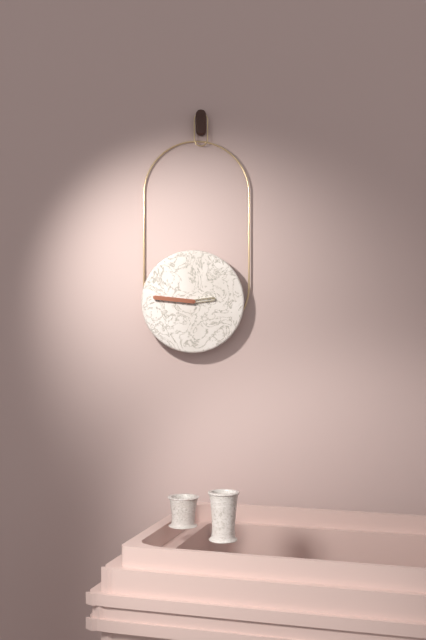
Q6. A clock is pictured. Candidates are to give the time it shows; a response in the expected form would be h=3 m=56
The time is h=2 m=46
